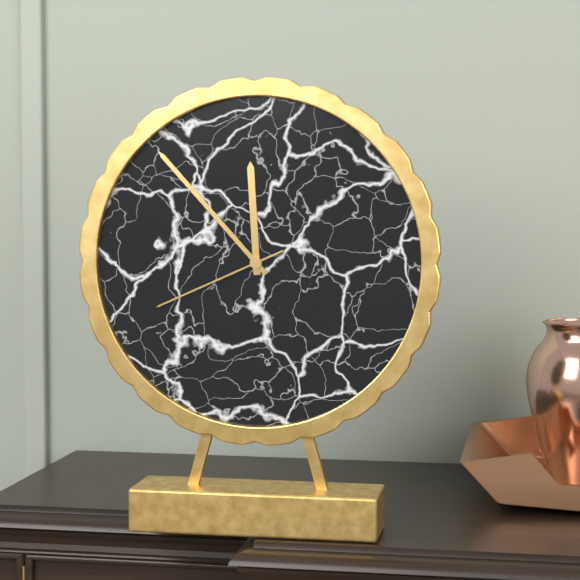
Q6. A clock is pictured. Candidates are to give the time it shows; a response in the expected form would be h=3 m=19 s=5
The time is h=11 m=53 s=41
